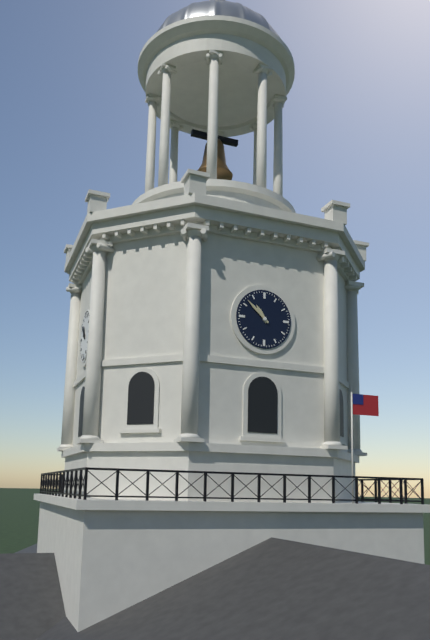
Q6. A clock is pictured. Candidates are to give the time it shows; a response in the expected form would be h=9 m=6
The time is h=10 m=52
